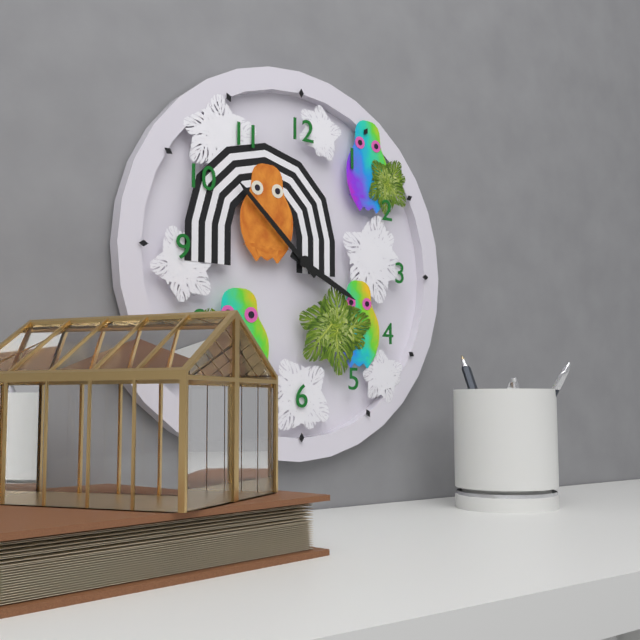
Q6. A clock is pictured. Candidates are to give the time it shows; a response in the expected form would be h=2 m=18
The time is h=3 m=52
